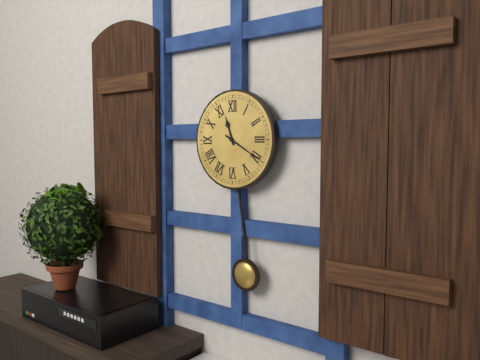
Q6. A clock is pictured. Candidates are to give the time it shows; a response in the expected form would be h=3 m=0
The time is h=11 m=20
